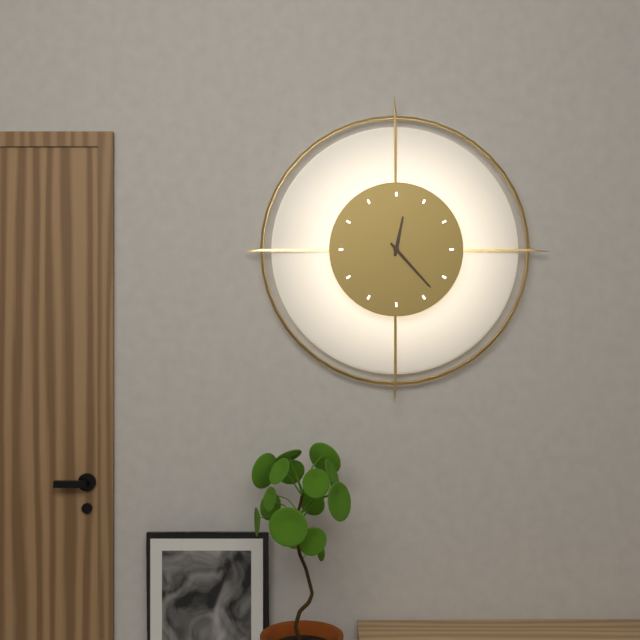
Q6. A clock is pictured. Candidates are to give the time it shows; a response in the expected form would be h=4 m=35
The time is h=12 m=23
